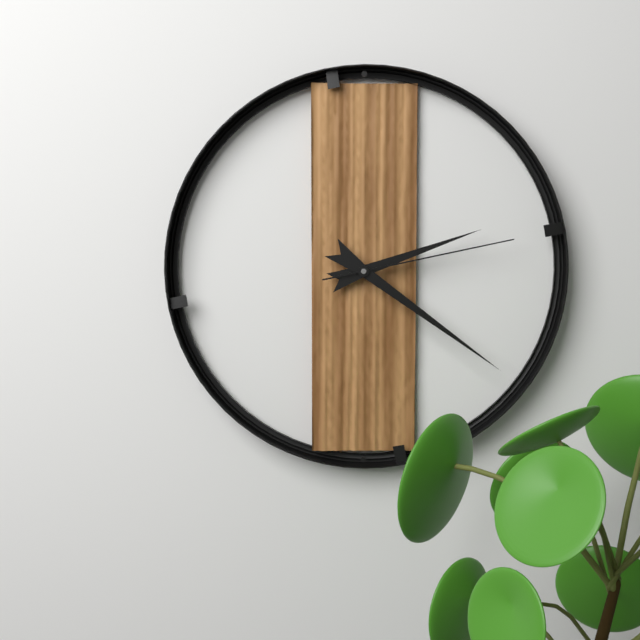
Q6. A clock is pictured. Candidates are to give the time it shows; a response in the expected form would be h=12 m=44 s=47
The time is h=2 m=21 s=13
